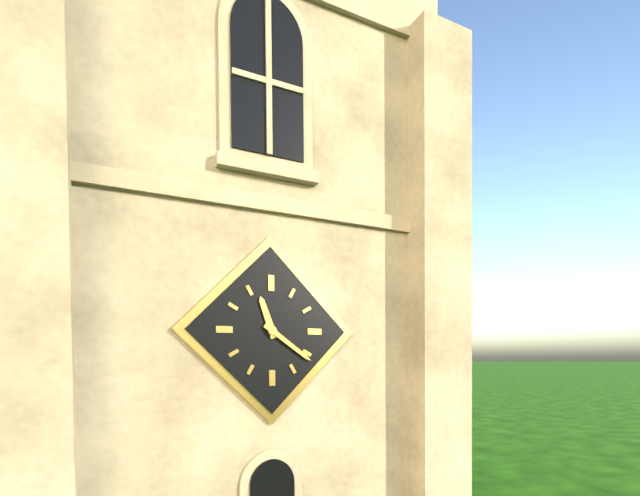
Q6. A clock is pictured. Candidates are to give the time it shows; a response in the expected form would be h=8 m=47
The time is h=11 m=21
